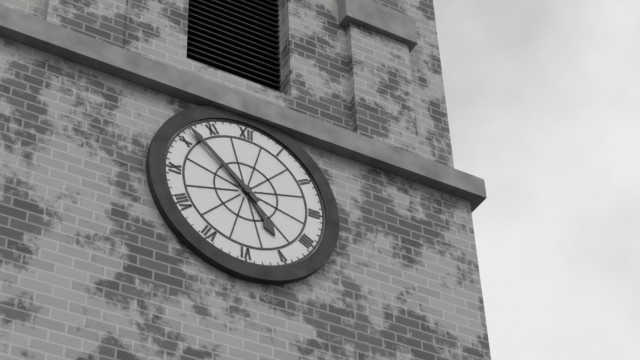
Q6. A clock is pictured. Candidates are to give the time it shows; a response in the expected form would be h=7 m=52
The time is h=4 m=52
